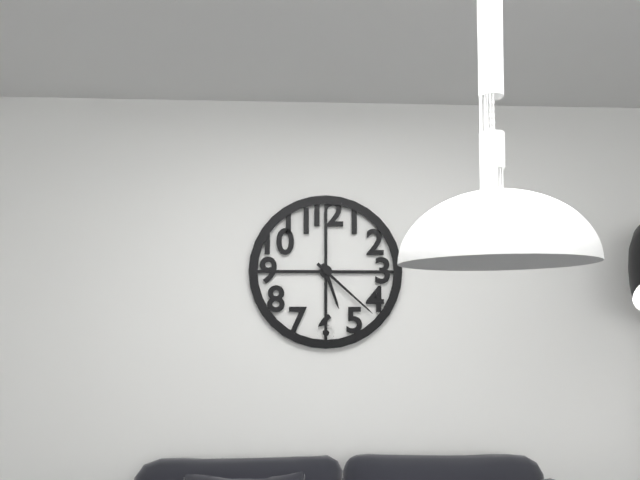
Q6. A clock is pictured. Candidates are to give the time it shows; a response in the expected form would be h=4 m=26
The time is h=5 m=22
